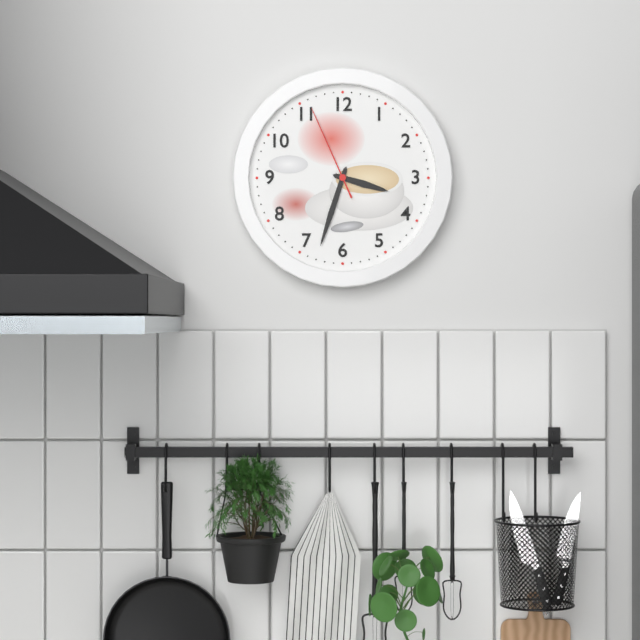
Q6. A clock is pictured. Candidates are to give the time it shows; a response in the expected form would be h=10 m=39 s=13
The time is h=3 m=33 s=56
